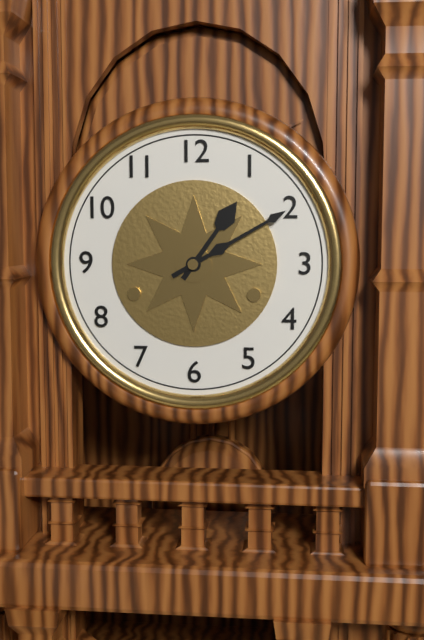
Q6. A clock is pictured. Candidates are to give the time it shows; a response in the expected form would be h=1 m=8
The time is h=1 m=10
